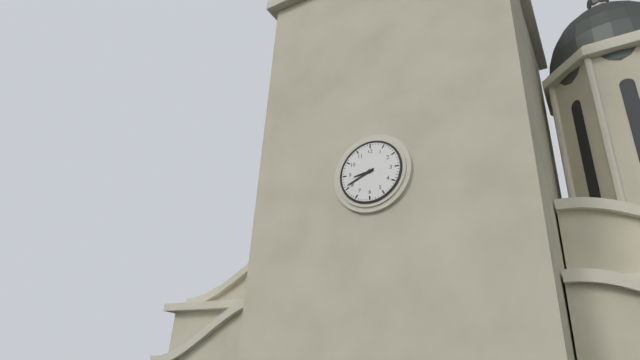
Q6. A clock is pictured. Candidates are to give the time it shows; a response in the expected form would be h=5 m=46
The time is h=8 m=41
